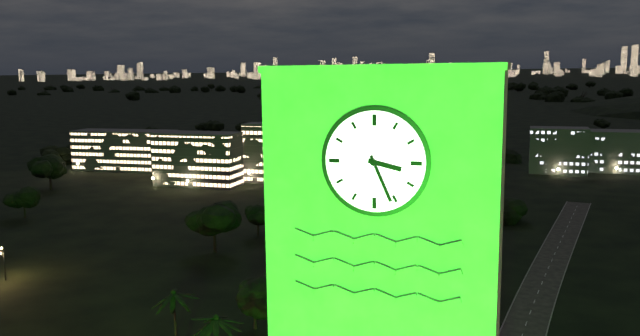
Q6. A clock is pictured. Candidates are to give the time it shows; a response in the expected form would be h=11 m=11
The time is h=3 m=26
